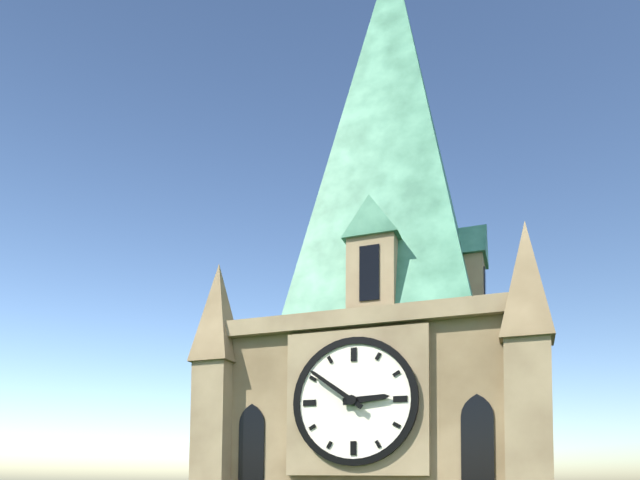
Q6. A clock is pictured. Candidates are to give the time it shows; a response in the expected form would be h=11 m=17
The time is h=2 m=51
